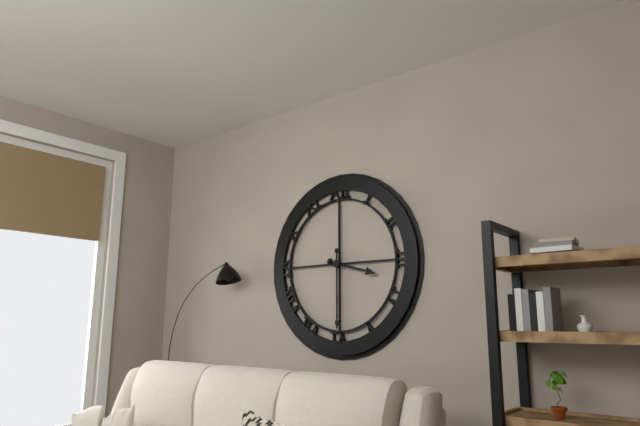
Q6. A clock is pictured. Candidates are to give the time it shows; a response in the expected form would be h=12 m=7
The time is h=3 m=30
